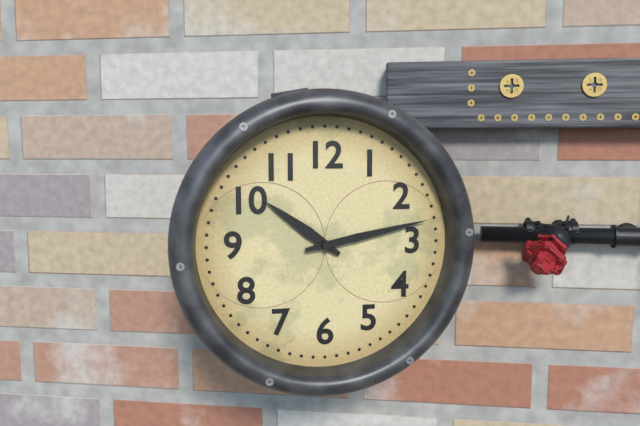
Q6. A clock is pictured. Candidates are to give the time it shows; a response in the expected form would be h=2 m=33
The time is h=10 m=13
